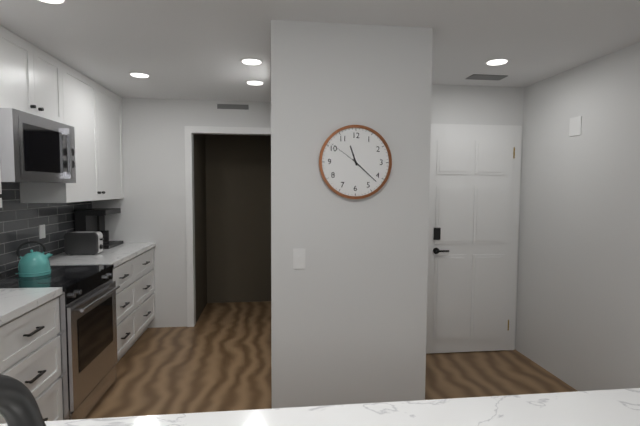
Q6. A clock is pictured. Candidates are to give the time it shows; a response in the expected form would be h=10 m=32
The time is h=11 m=22
